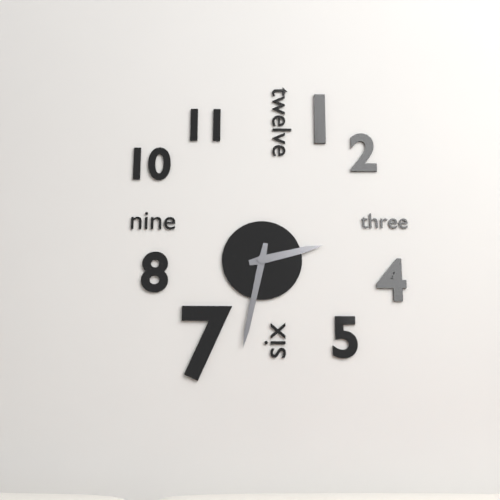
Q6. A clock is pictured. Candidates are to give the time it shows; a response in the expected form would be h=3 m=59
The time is h=2 m=32
